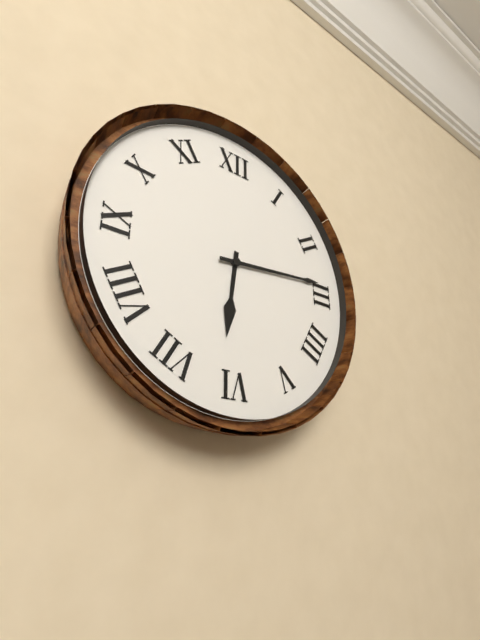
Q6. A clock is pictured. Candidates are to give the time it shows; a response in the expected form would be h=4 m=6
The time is h=6 m=14
